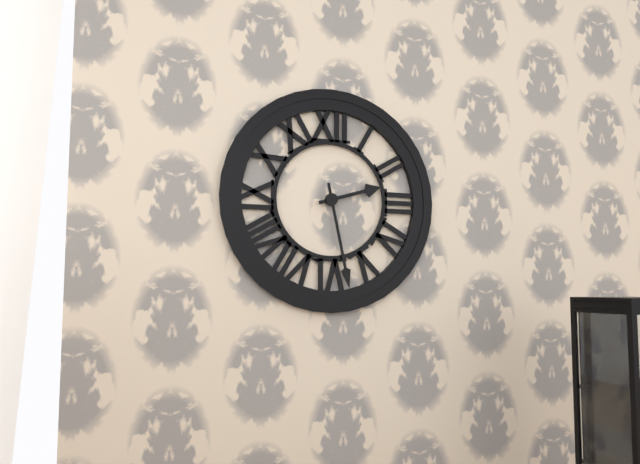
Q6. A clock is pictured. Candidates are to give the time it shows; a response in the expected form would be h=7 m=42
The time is h=2 m=28
